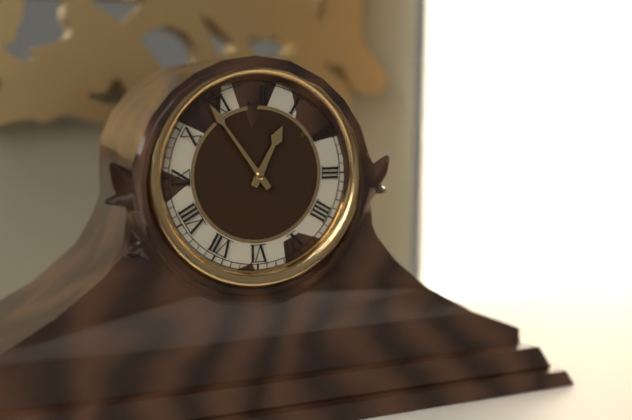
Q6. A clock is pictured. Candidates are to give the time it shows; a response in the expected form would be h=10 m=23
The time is h=12 m=54
